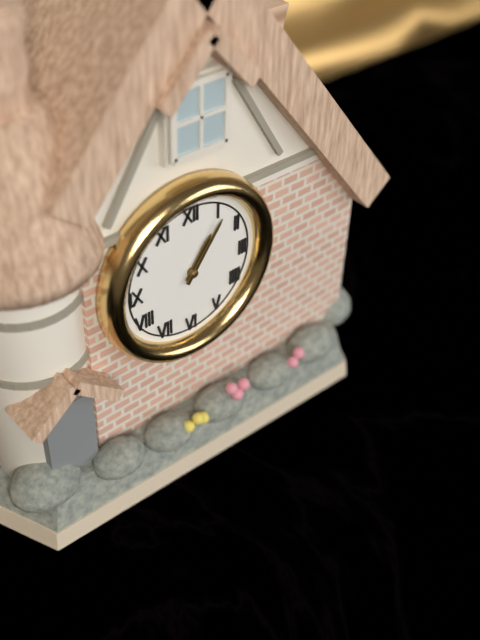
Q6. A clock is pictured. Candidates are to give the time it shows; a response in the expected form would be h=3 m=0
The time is h=1 m=6
